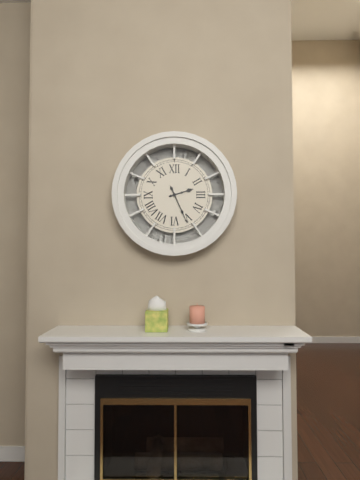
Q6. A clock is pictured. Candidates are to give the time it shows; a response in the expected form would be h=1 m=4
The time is h=2 m=26
